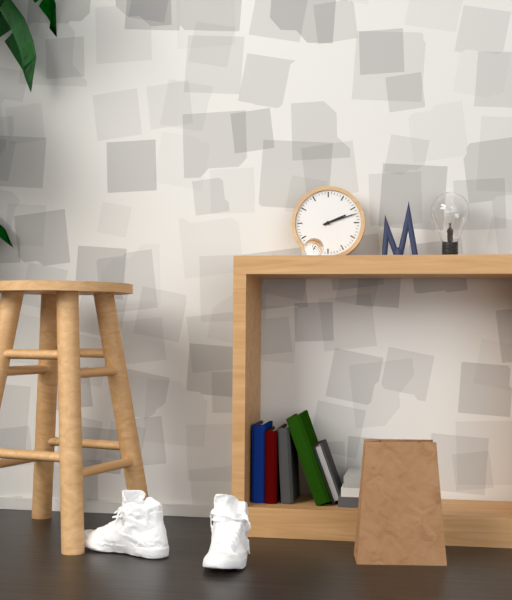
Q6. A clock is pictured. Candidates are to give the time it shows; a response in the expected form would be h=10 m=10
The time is h=2 m=12
